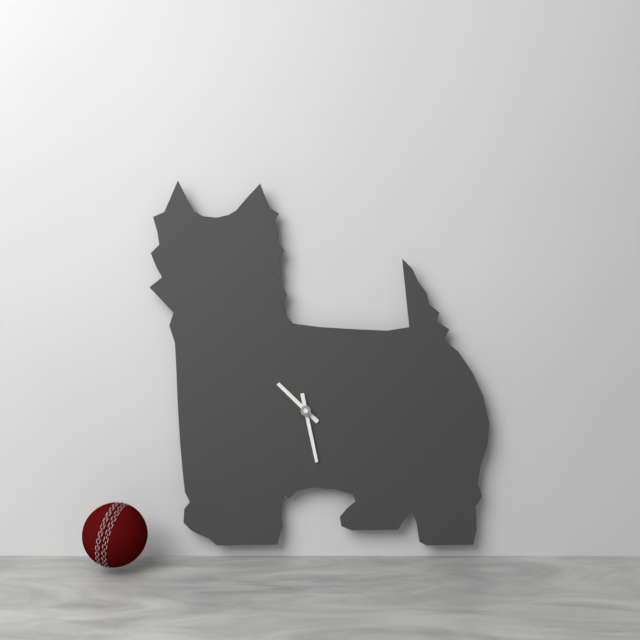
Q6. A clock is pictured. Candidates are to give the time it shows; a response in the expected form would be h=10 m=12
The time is h=10 m=28
